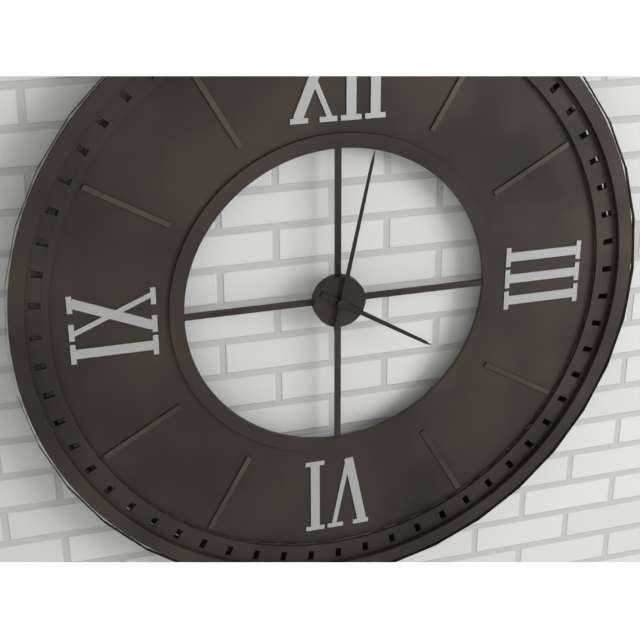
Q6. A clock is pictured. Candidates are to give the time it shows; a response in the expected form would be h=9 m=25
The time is h=4 m=2
